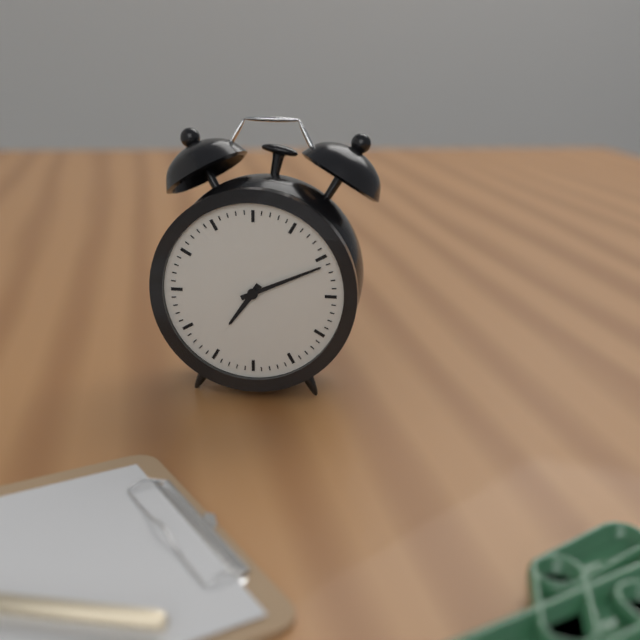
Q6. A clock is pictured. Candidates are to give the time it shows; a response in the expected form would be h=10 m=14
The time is h=7 m=11
